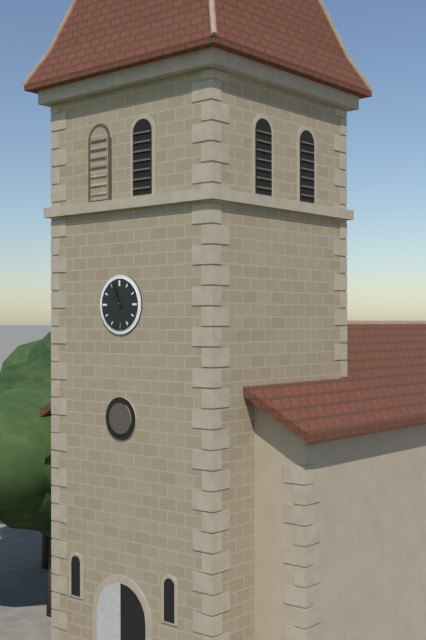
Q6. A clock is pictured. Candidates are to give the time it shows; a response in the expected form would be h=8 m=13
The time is h=10 m=56
